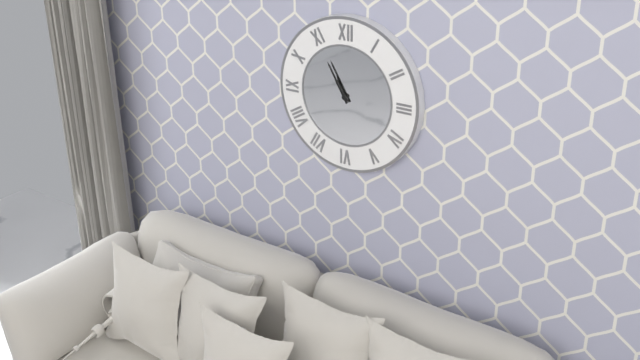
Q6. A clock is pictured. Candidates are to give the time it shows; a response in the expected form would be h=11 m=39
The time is h=10 m=55
